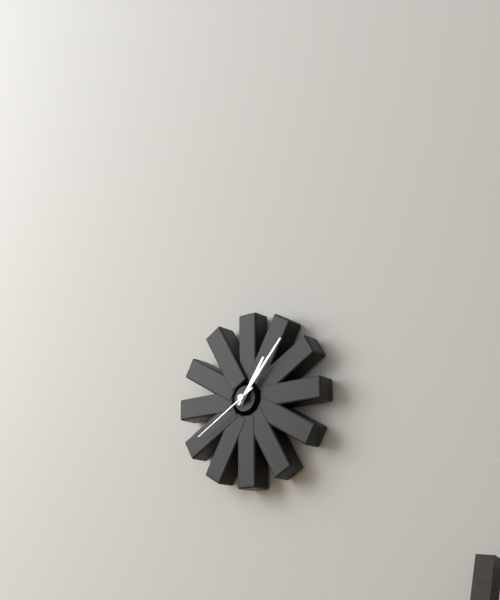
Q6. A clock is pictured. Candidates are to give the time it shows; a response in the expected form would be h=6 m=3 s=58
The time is h=1 m=7 s=40
